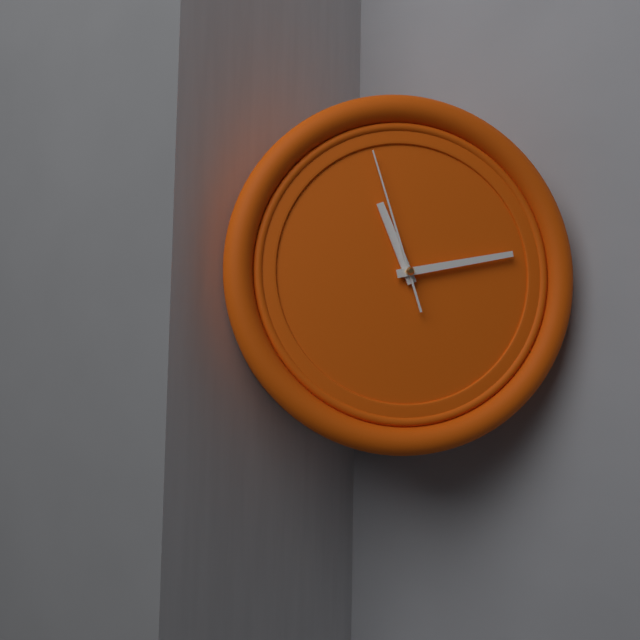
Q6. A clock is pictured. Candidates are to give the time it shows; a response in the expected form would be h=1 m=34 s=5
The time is h=11 m=13 s=57
